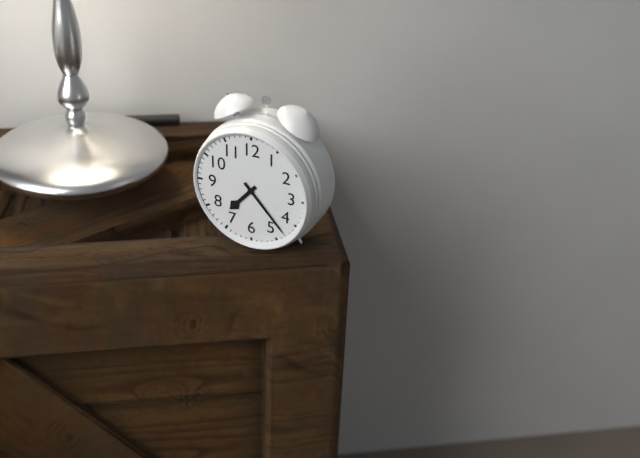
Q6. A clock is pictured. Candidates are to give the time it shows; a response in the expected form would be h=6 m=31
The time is h=7 m=23
